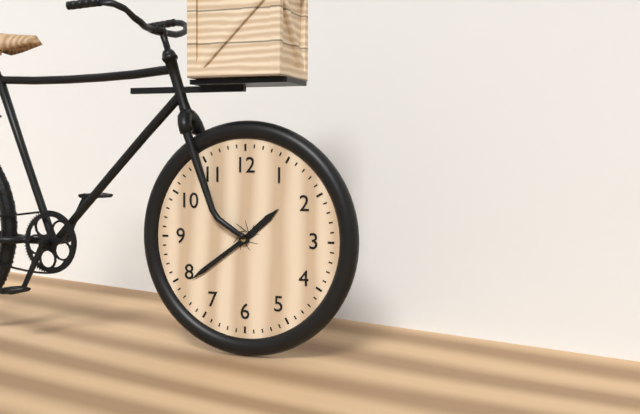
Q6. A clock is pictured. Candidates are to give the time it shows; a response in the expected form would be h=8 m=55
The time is h=1 m=39
